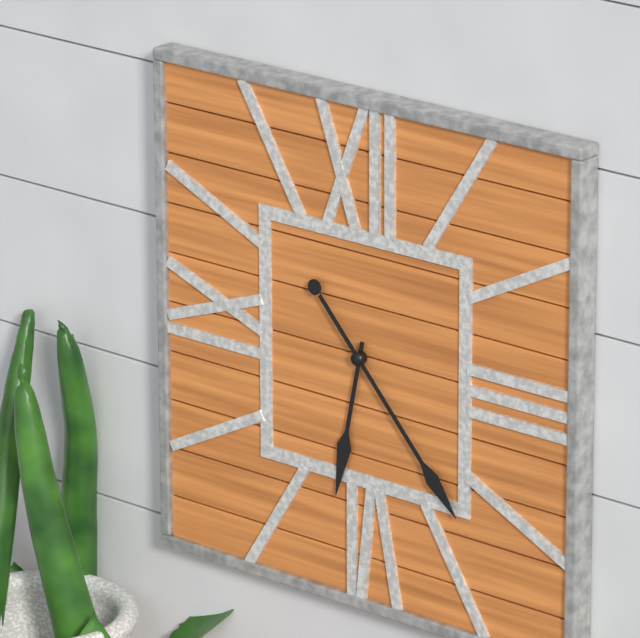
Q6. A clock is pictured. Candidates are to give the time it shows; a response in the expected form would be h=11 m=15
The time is h=6 m=23
